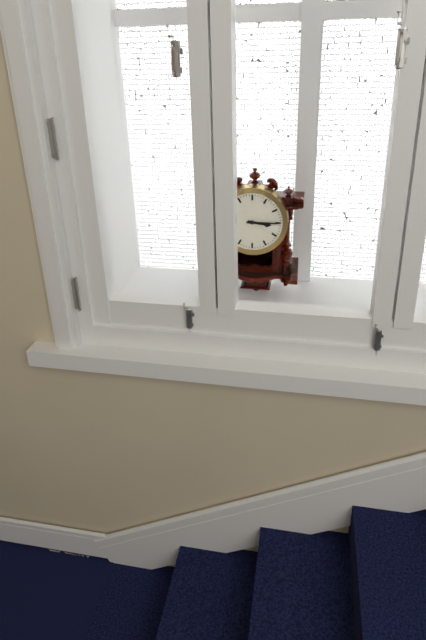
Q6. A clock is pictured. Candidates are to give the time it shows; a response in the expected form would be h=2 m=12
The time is h=3 m=15
